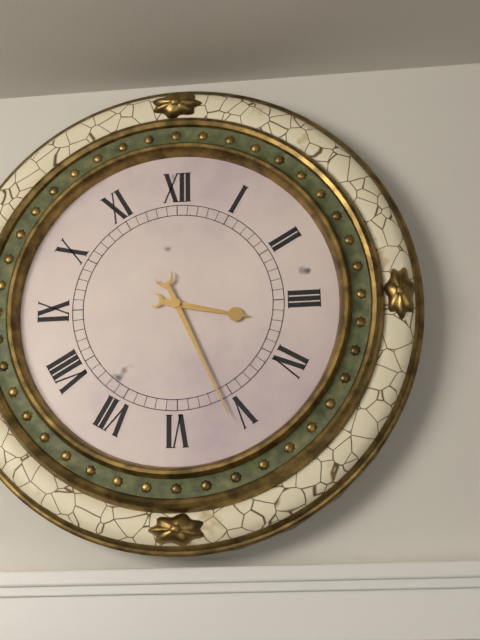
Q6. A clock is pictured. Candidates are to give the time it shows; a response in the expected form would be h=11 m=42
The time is h=3 m=26
